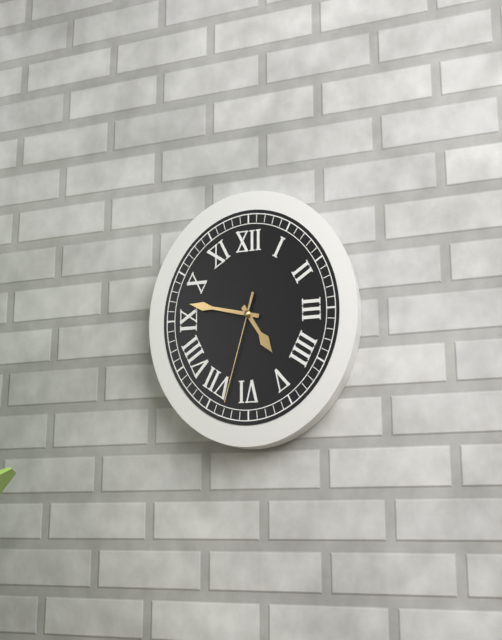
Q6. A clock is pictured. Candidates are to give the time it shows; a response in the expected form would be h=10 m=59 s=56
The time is h=4 m=47 s=33
